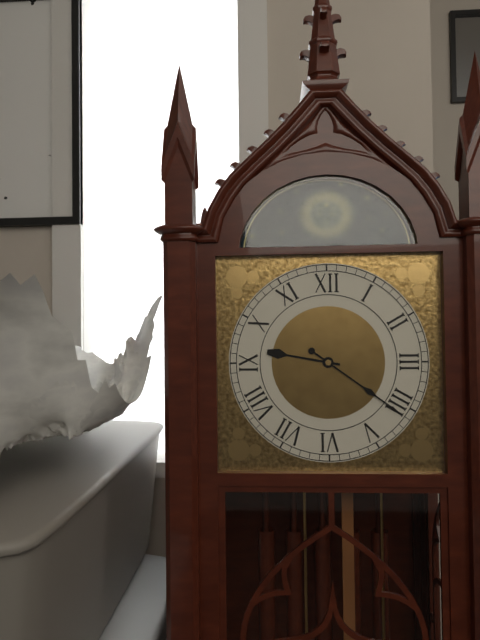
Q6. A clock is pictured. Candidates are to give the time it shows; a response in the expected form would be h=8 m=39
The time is h=9 m=21
